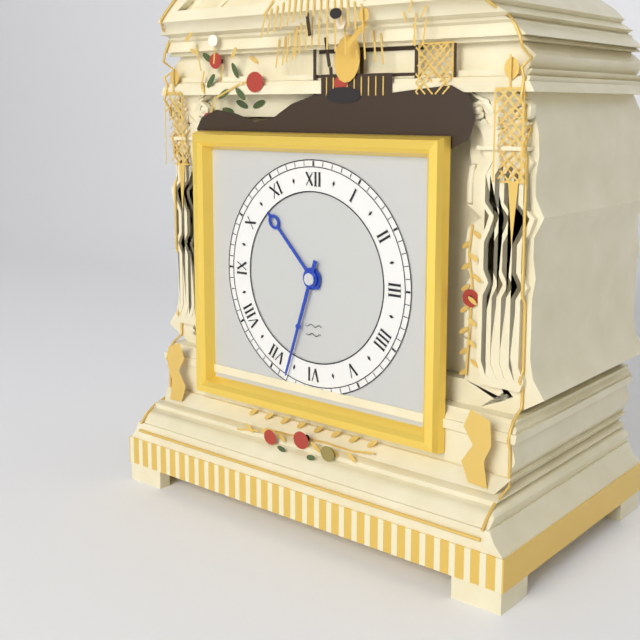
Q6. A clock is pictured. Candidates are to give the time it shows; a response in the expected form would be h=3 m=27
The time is h=10 m=33
